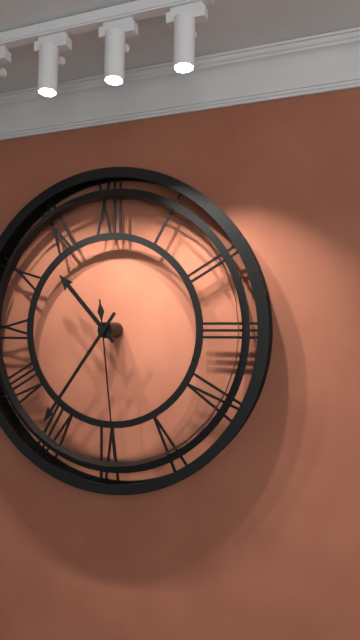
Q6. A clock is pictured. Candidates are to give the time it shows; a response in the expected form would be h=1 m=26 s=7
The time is h=10 m=36 s=29
